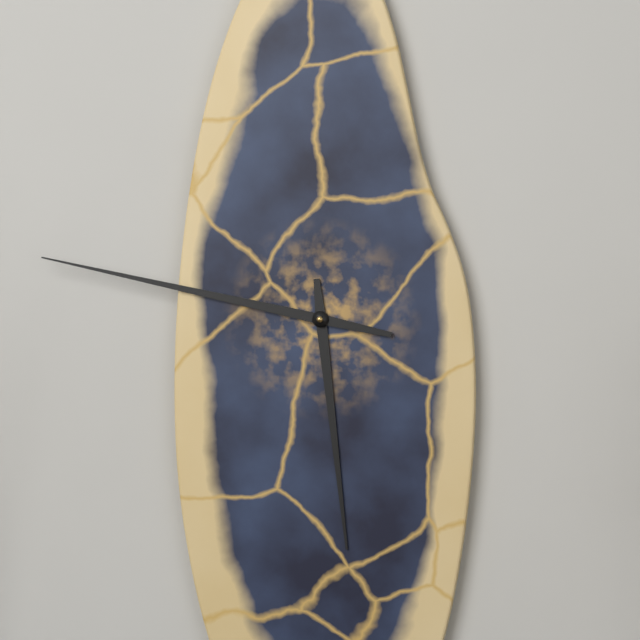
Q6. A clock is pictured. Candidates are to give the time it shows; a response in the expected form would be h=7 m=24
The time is h=5 m=47
